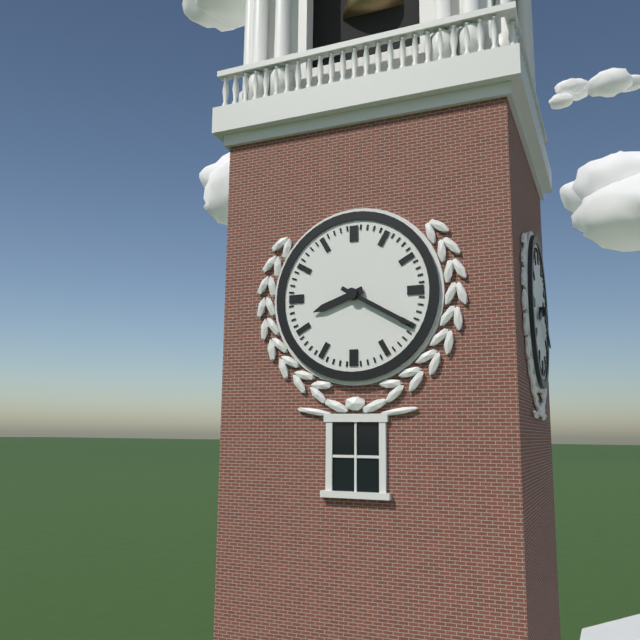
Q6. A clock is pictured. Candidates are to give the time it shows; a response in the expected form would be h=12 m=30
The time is h=8 m=20
